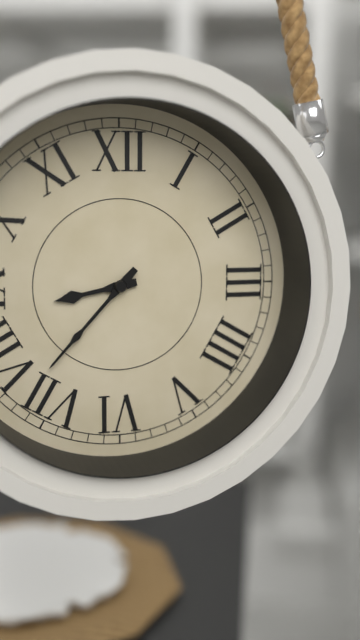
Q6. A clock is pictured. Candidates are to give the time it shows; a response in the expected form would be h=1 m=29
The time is h=8 m=37
